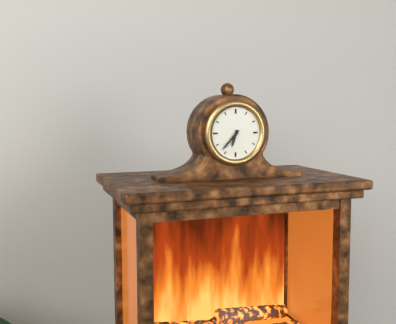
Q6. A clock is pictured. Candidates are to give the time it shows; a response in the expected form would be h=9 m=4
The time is h=6 m=37
